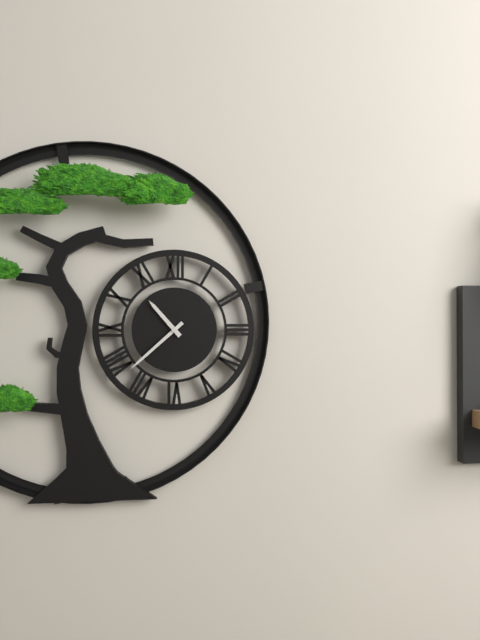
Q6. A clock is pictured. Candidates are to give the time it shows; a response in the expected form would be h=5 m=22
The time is h=10 m=38
